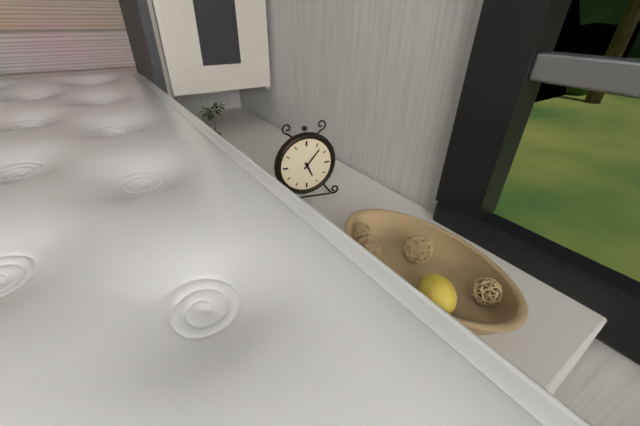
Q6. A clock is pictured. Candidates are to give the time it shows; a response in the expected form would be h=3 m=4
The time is h=5 m=7
